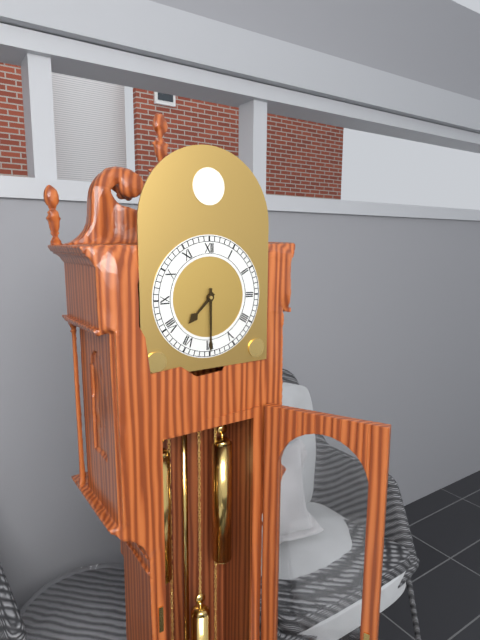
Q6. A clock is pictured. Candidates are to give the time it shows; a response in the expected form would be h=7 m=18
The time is h=7 m=30
